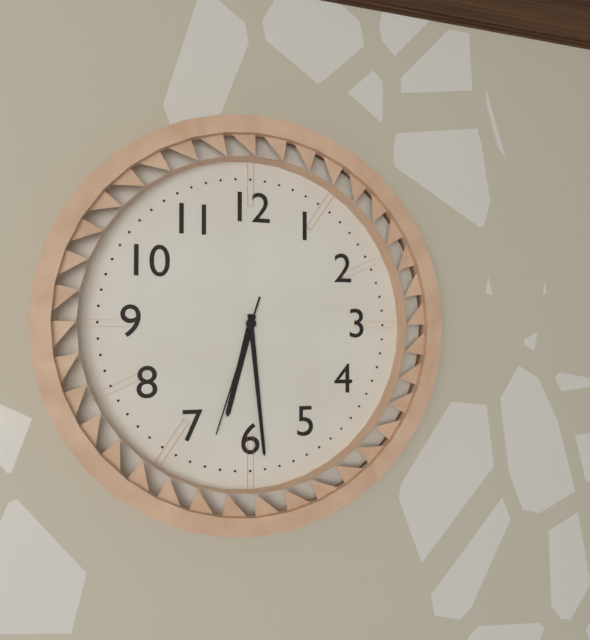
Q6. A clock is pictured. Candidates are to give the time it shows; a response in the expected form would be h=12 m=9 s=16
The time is h=6 m=29 s=33
